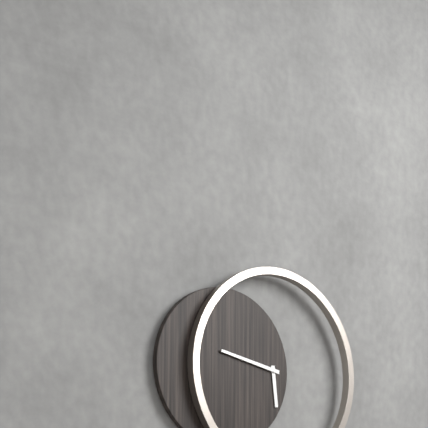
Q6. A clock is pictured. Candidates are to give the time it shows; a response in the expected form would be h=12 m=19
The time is h=5 m=47
